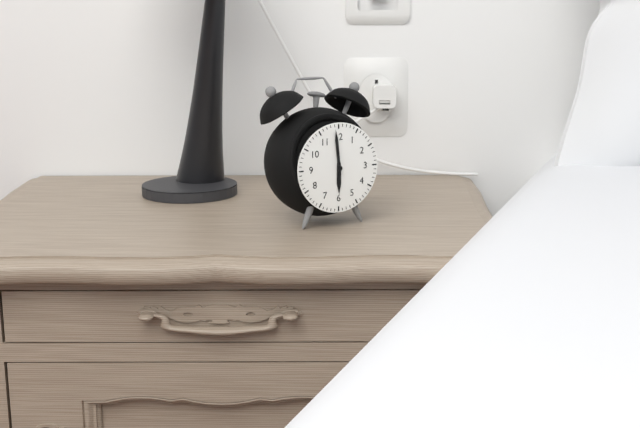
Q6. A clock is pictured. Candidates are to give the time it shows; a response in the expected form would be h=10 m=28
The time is h=5 m=59
